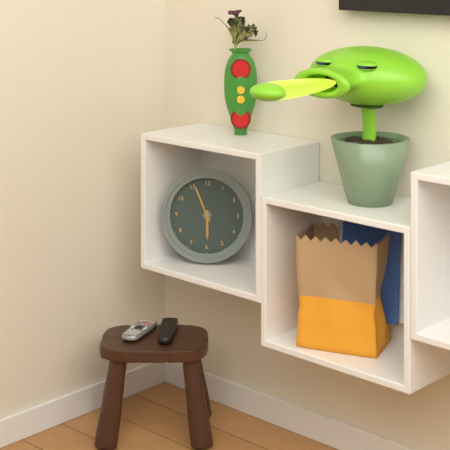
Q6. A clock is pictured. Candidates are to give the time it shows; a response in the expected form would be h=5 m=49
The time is h=5 m=56
